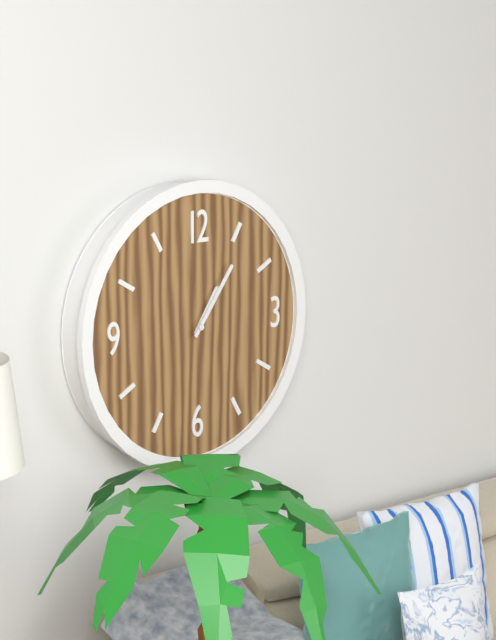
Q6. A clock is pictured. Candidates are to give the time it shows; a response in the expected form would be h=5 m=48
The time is h=1 m=6
